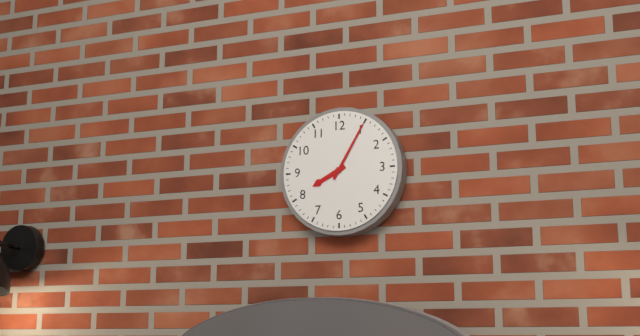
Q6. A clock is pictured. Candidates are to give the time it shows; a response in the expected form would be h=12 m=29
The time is h=8 m=5
